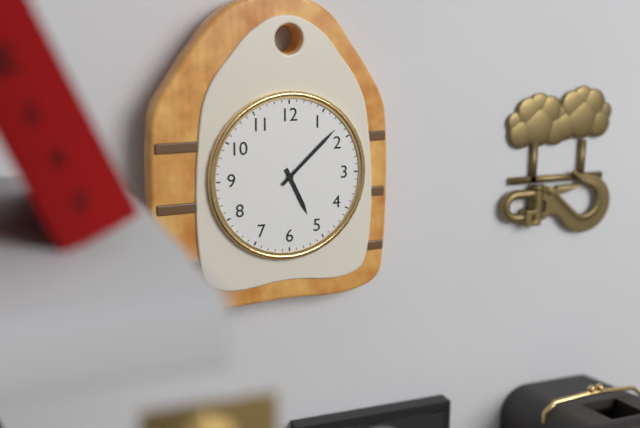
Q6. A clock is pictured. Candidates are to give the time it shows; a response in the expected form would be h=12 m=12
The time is h=5 m=8
